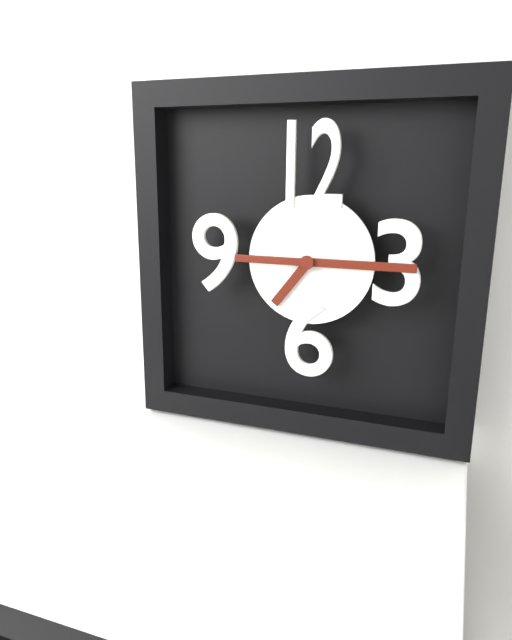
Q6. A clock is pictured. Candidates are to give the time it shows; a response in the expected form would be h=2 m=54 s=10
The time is h=7 m=15 s=45
